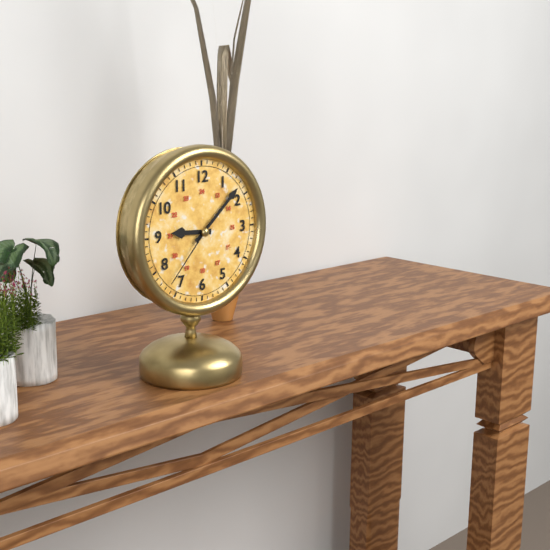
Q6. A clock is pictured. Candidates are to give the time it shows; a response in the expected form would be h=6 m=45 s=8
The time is h=9 m=8 s=37
